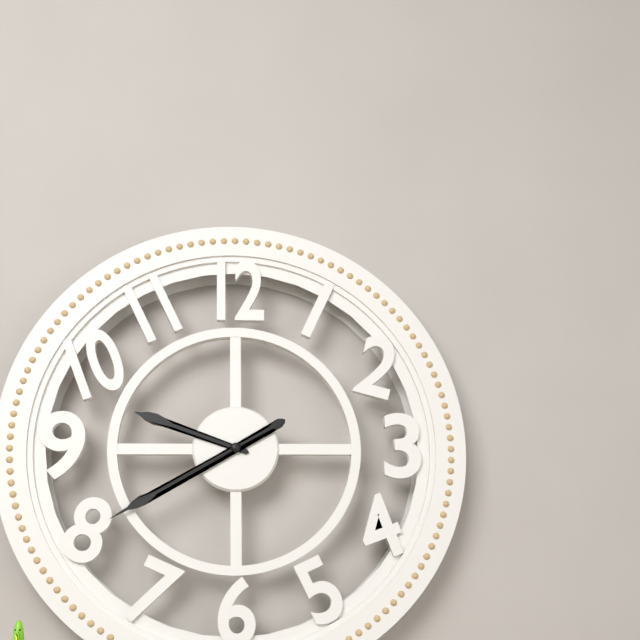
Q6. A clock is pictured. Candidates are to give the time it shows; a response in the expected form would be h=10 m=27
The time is h=9 m=40
